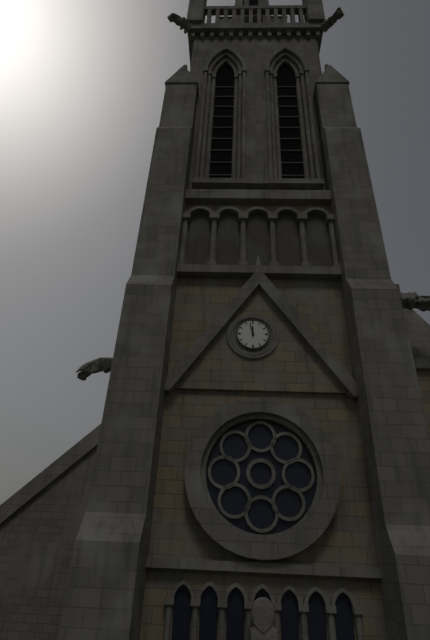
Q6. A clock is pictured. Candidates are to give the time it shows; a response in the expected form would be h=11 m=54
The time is h=11 m=58
